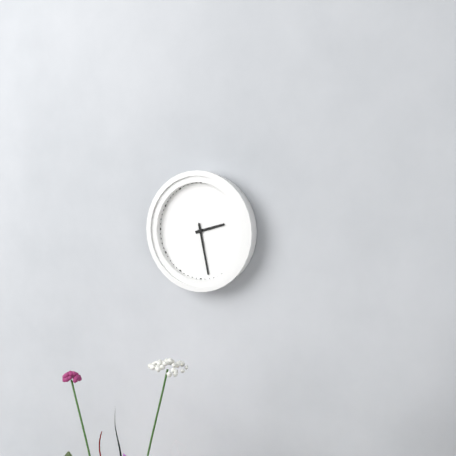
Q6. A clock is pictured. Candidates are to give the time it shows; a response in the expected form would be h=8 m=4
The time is h=2 m=28
